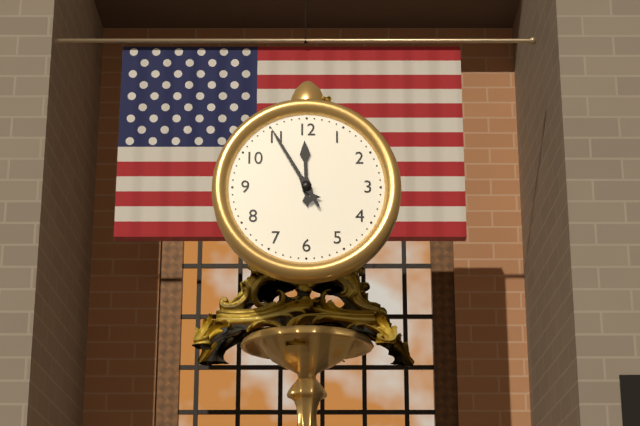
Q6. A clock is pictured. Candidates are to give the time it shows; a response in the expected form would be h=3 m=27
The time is h=11 m=55
